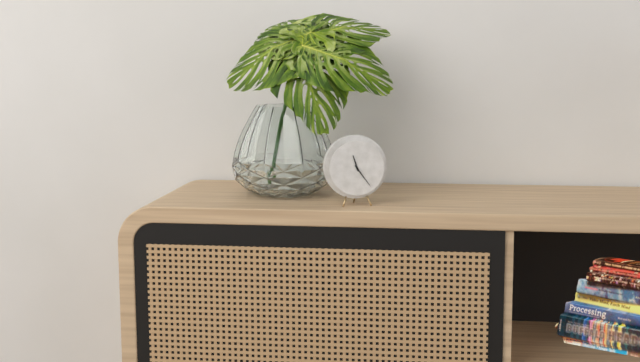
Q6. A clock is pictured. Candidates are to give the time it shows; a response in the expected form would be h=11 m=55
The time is h=11 m=24
